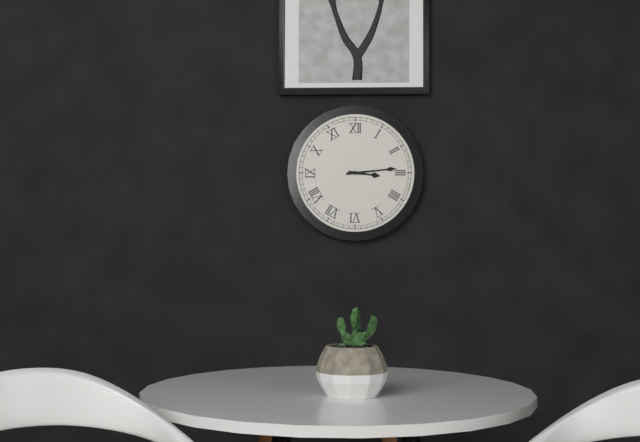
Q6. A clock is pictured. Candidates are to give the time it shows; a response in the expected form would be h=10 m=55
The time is h=3 m=14
